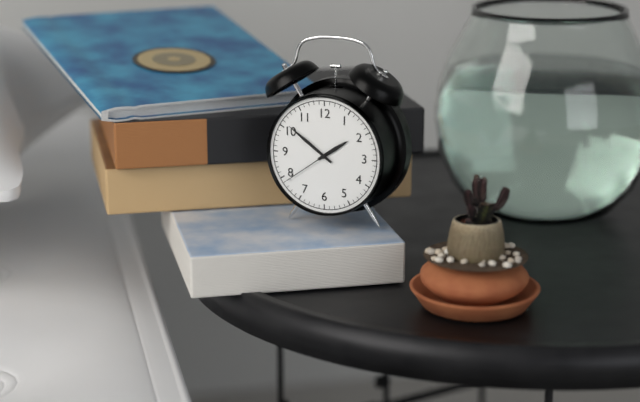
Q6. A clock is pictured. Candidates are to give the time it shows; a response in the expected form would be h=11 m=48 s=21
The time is h=1 m=51 s=39
